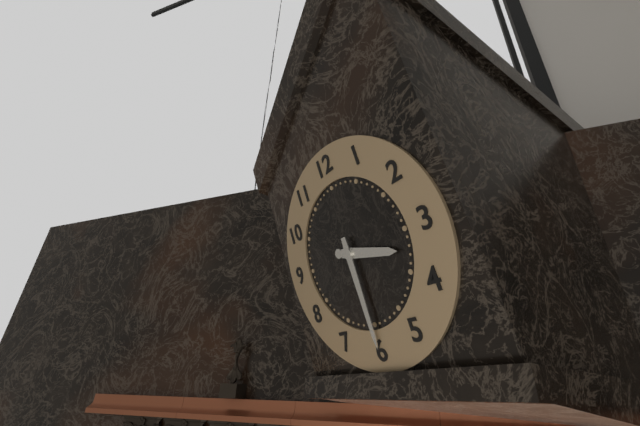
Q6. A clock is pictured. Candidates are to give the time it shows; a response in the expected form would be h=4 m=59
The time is h=3 m=30
